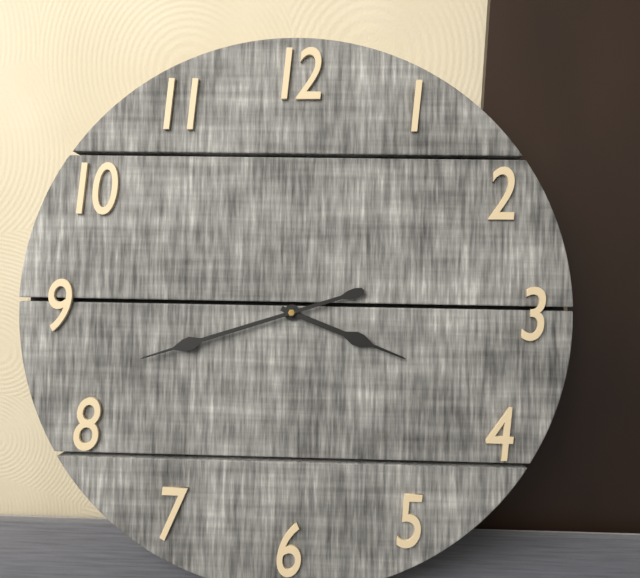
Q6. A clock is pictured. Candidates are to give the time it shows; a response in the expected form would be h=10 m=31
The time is h=3 m=42
